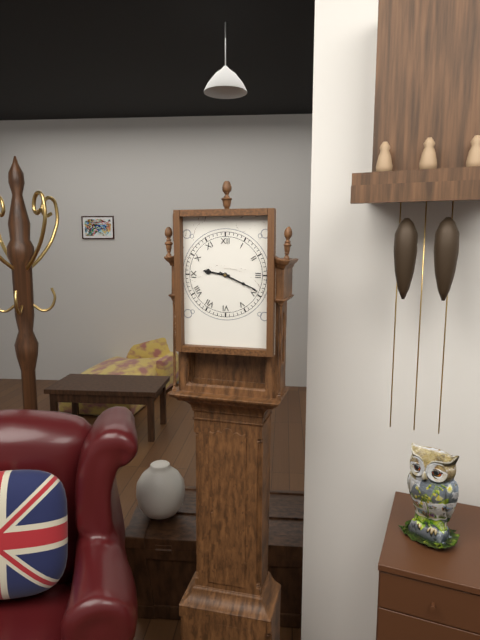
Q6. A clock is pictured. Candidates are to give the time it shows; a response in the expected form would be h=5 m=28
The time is h=9 m=19
